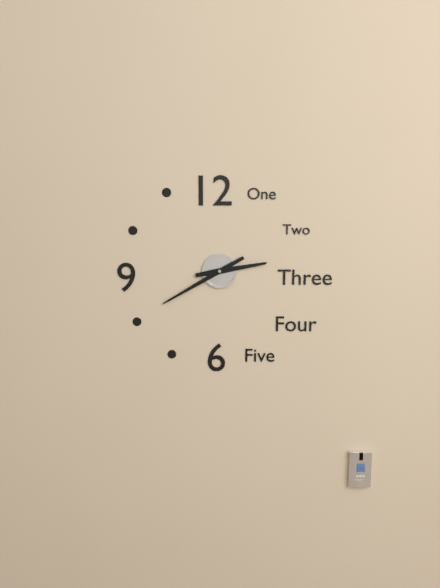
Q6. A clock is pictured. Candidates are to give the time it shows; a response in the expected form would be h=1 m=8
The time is h=2 m=40
